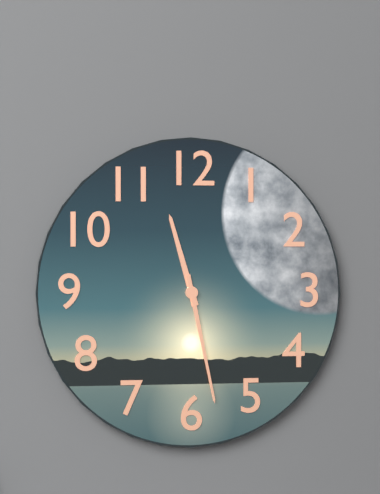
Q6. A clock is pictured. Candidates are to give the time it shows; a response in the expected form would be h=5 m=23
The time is h=11 m=28
